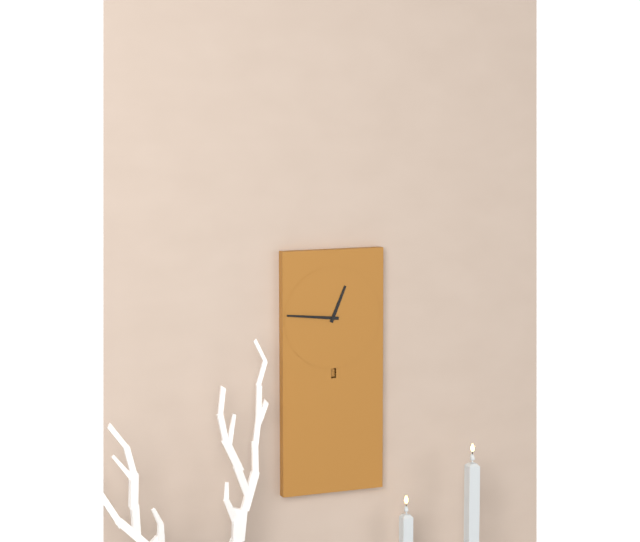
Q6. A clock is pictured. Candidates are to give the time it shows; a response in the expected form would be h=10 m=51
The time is h=12 m=46
